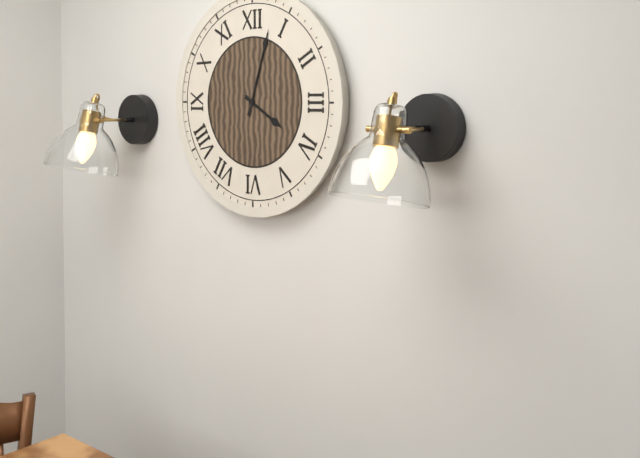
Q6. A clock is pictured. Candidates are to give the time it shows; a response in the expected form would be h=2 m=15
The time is h=4 m=3
